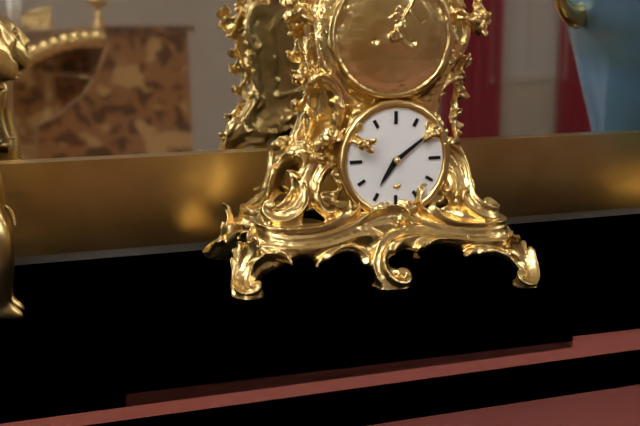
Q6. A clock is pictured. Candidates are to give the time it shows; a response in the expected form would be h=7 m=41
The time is h=7 m=9
